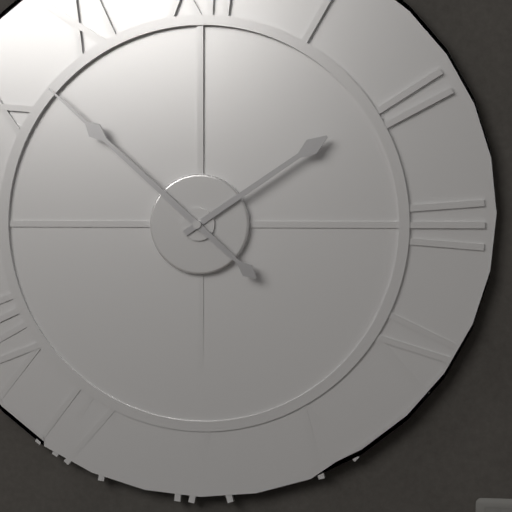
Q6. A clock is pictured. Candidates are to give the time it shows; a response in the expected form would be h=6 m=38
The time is h=1 m=52
